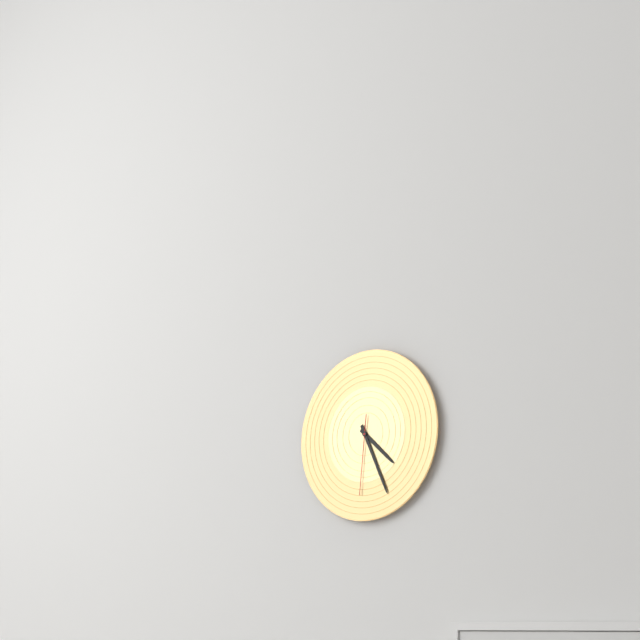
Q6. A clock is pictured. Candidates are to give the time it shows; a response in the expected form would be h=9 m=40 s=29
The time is h=4 m=26 s=31
